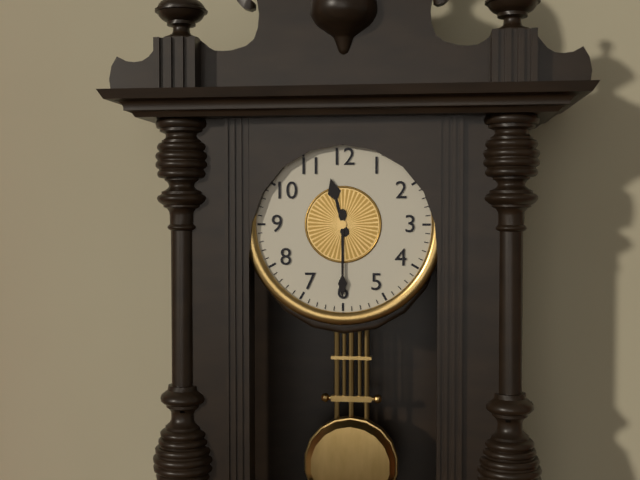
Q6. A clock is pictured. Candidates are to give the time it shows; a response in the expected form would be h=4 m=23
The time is h=11 m=30
